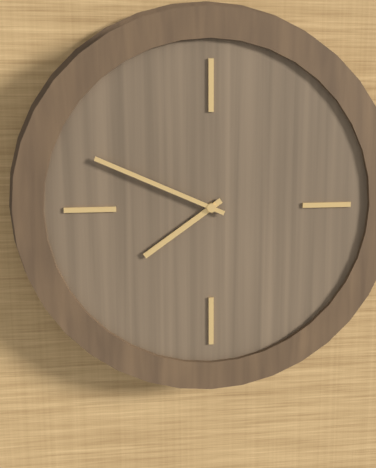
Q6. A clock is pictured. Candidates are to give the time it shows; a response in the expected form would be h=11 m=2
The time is h=7 m=49
